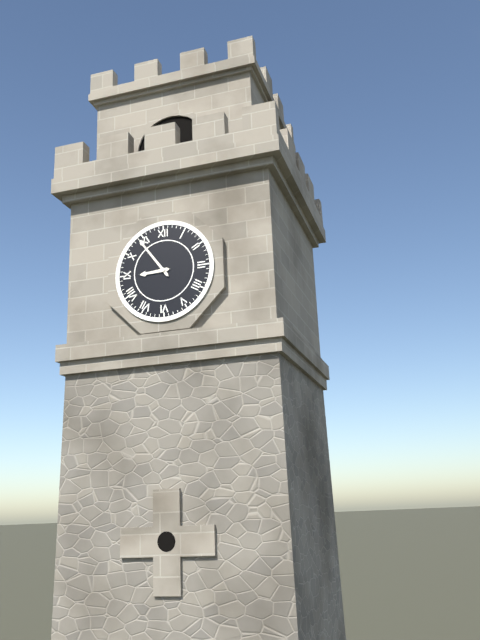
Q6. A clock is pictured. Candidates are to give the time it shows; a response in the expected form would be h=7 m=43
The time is h=8 m=54
